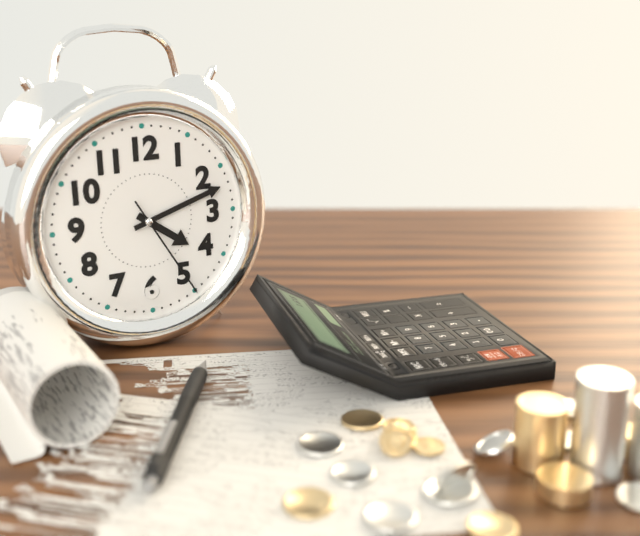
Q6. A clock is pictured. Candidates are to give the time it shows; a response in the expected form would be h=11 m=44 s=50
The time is h=4 m=12 s=25
